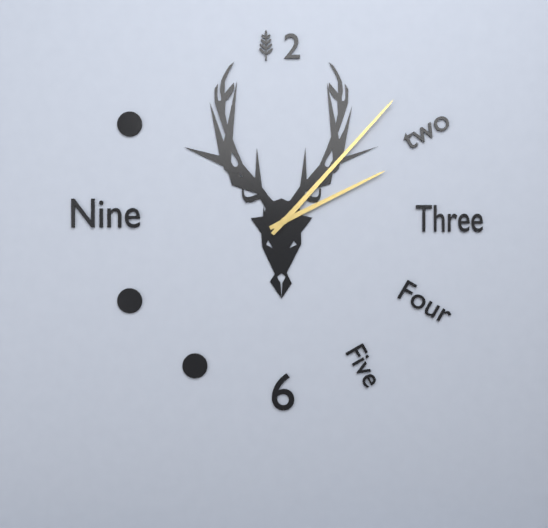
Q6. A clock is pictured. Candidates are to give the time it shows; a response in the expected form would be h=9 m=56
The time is h=2 m=7
